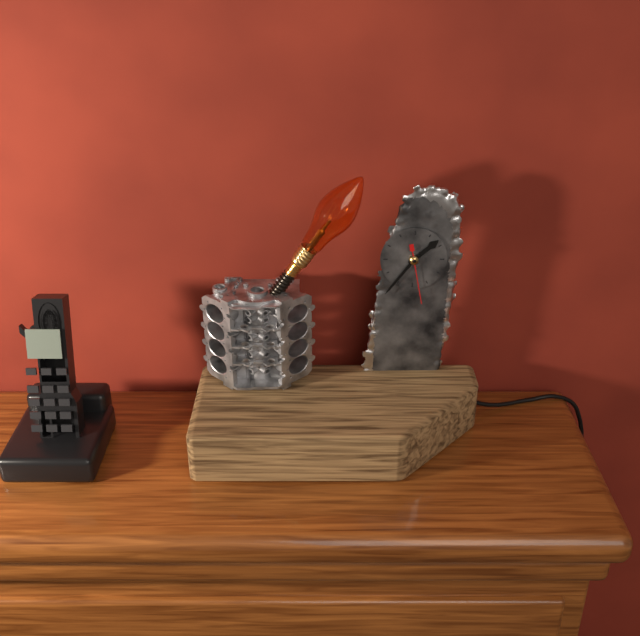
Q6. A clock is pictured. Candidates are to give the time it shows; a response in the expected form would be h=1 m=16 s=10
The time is h=1 m=36 s=28
